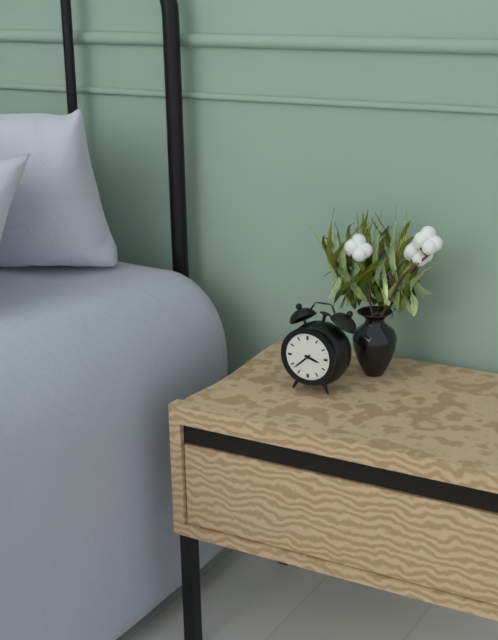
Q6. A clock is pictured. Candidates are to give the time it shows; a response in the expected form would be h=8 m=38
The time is h=3 m=38
